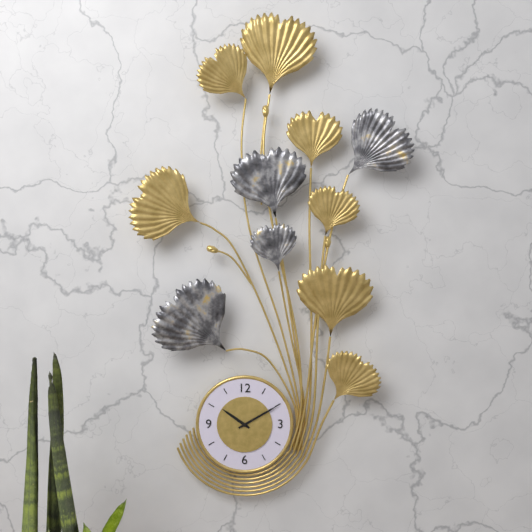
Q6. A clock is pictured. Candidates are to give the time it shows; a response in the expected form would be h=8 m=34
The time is h=10 m=10
